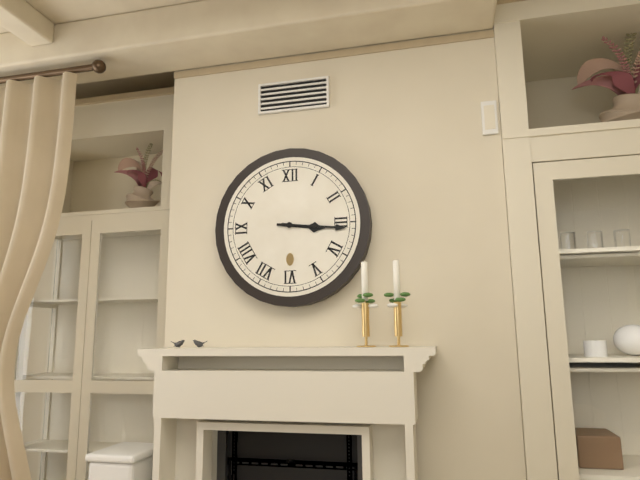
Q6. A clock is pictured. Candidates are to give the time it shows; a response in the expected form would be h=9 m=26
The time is h=3 m=16
